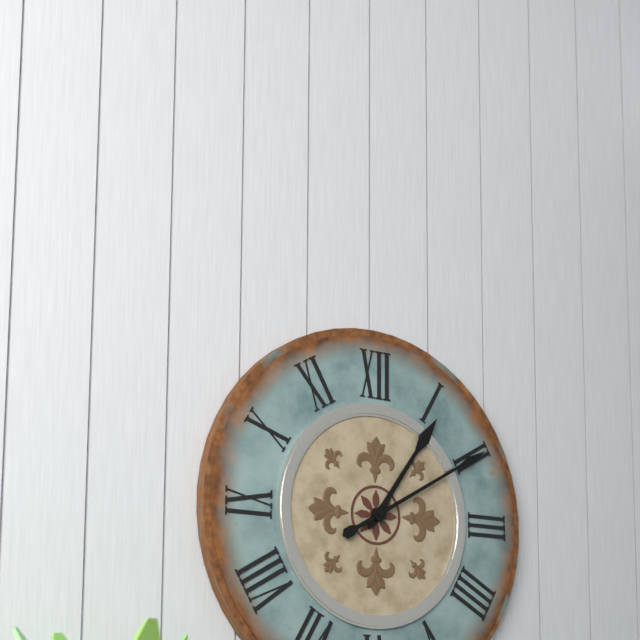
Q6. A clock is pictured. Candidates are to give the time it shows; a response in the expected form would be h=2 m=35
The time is h=1 m=10
